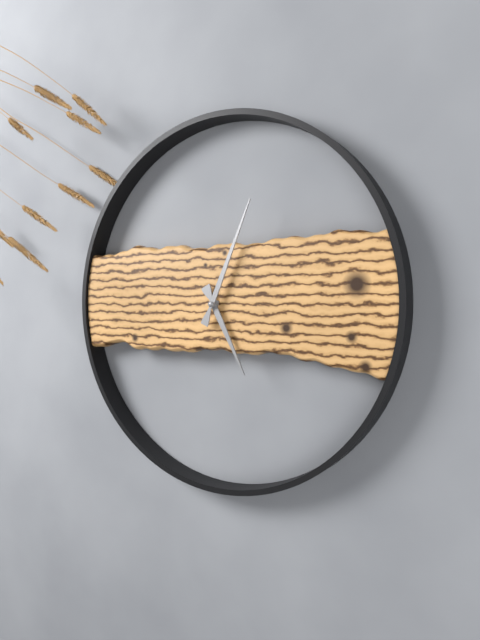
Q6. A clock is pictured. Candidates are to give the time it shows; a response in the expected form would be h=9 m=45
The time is h=5 m=4
